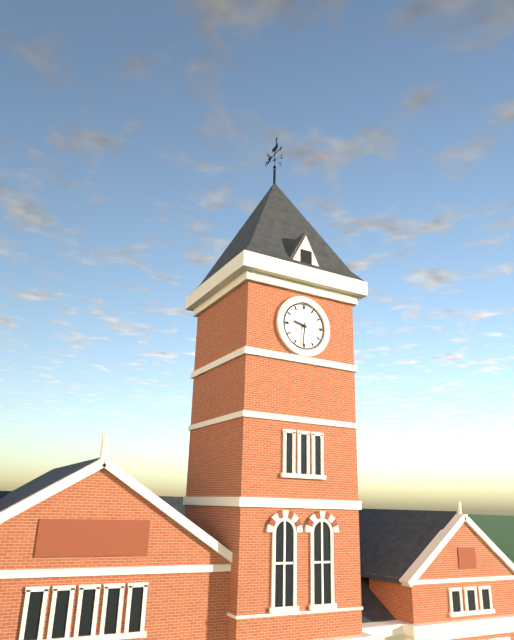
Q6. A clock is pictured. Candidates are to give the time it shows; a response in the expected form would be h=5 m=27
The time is h=9 m=31
